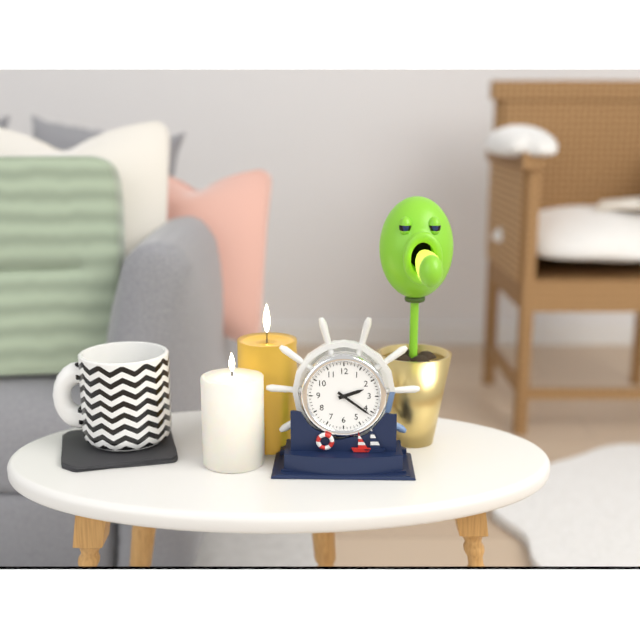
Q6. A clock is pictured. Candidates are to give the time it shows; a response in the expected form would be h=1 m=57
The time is h=2 m=21
